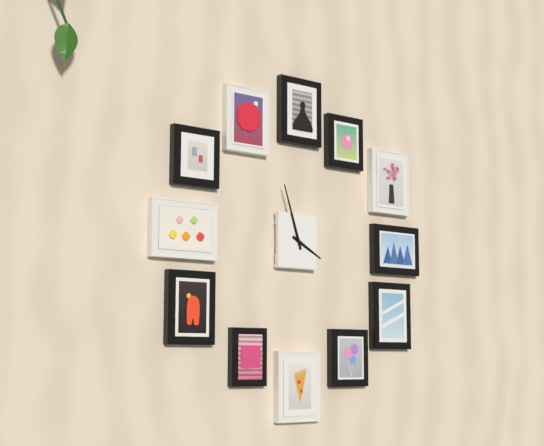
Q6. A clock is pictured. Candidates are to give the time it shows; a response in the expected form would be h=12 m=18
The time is h=3 m=57
